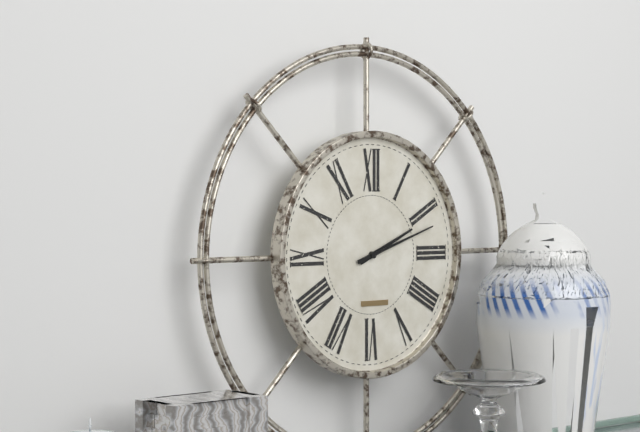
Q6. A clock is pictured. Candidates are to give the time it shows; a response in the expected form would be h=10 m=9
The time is h=2 m=12
